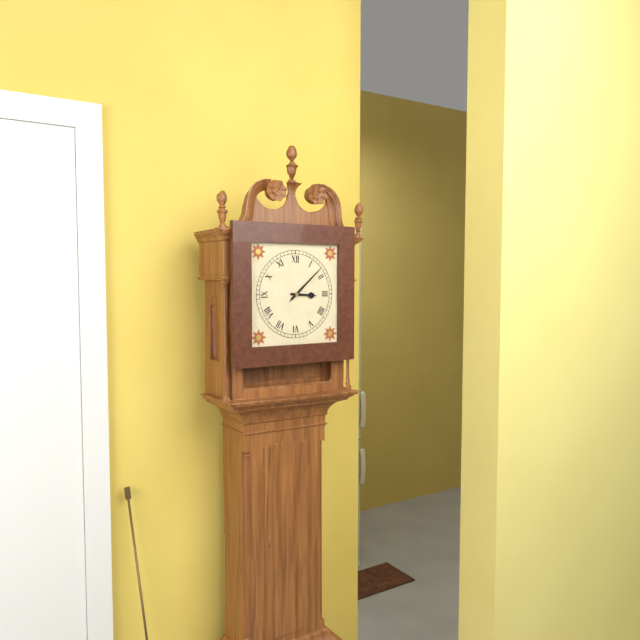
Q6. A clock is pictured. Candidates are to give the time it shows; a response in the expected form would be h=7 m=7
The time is h=3 m=8
